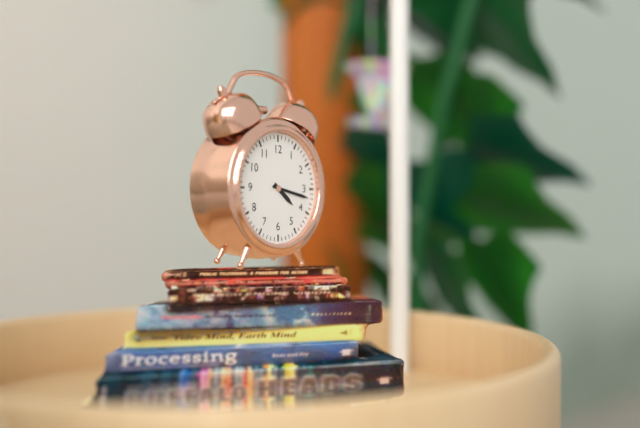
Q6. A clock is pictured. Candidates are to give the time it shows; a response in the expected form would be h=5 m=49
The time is h=4 m=17
